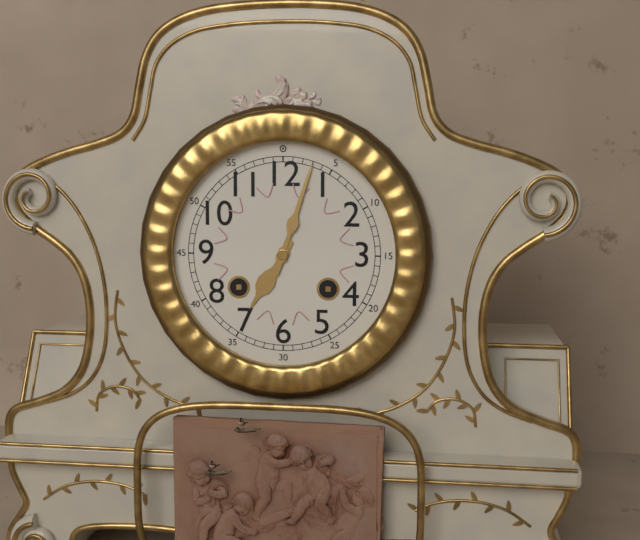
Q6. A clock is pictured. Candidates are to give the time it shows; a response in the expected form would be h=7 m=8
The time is h=7 m=3
